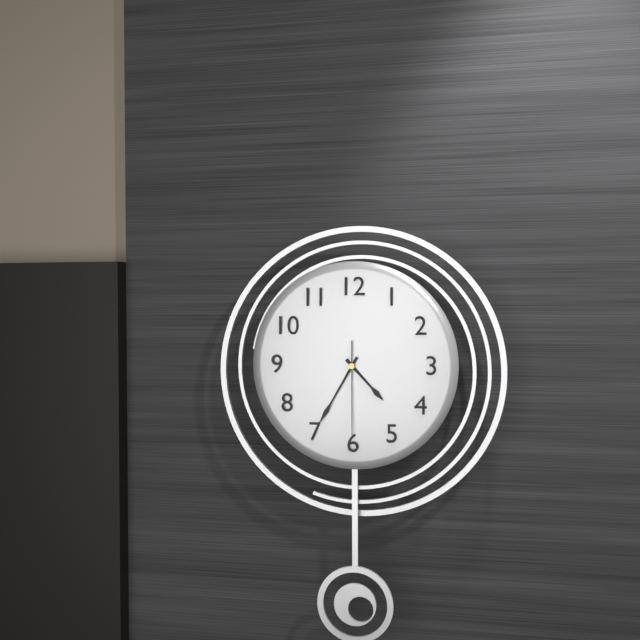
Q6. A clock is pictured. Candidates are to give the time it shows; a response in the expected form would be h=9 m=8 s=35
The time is h=4 m=35 s=30
